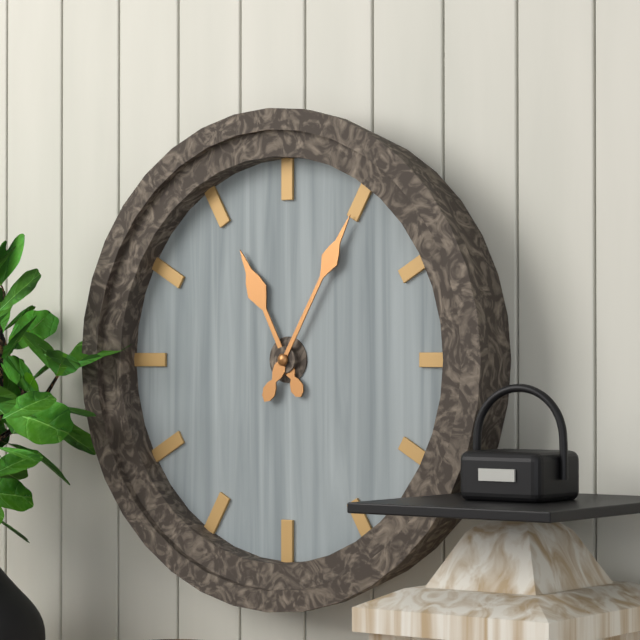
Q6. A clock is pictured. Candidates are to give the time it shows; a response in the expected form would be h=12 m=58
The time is h=11 m=5
